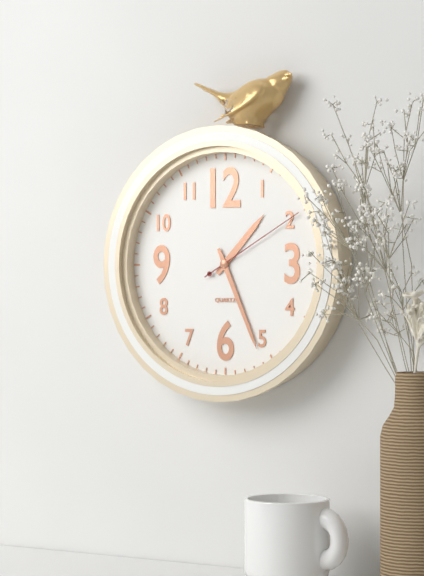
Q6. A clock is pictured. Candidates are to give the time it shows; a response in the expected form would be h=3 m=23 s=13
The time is h=1 m=26 s=10
